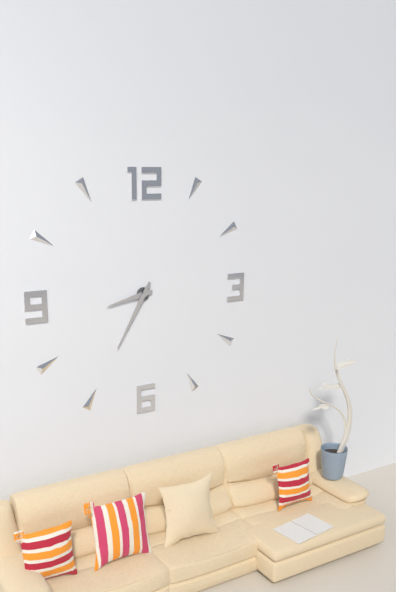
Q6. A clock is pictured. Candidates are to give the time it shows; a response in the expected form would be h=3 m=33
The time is h=8 m=35
